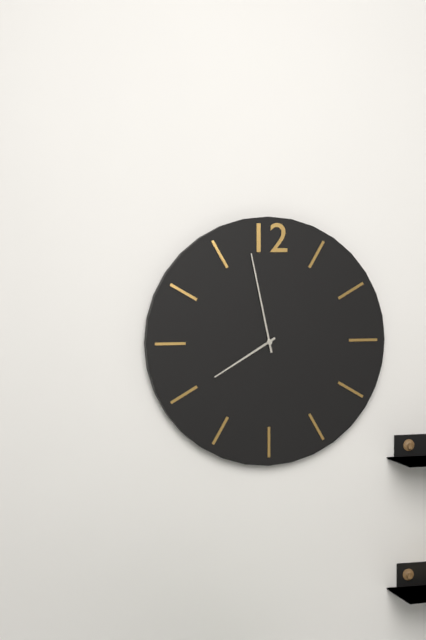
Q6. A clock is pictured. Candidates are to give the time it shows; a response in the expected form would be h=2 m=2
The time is h=7 m=58
